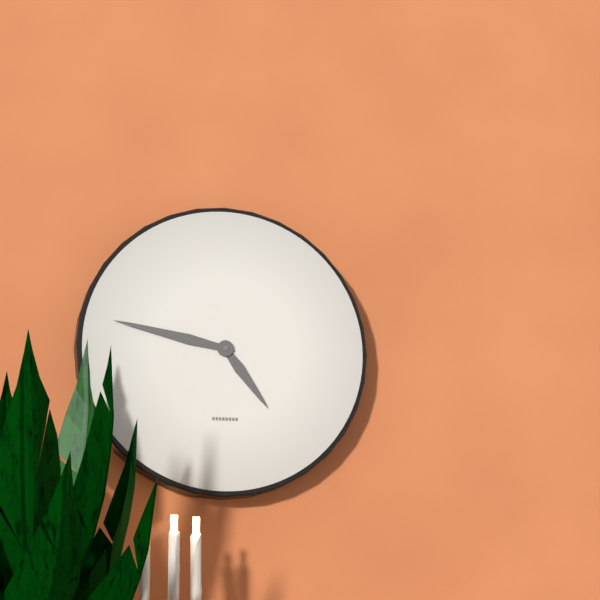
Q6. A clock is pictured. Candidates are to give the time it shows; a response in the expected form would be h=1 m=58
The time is h=4 m=47
